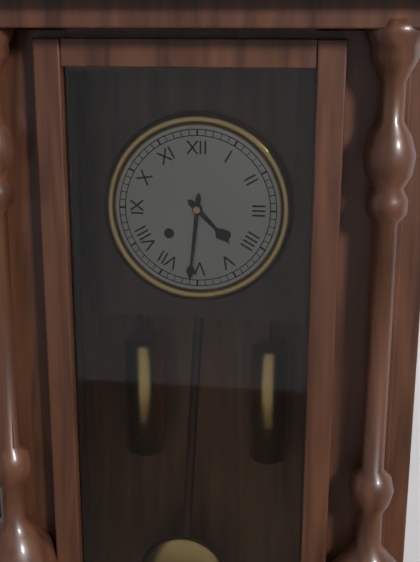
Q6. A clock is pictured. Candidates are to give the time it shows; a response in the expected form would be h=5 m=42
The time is h=4 m=31
